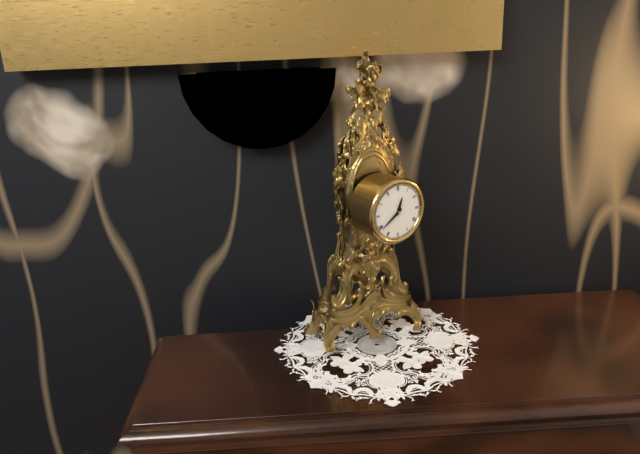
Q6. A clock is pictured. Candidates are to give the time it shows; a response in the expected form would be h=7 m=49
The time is h=12 m=39
